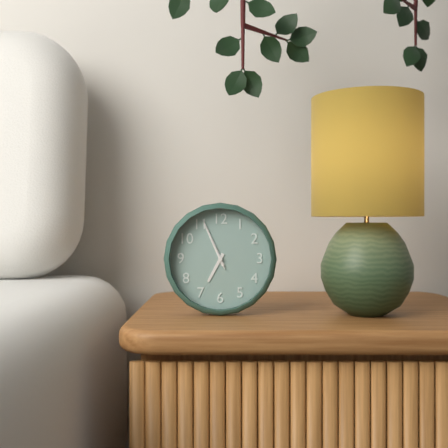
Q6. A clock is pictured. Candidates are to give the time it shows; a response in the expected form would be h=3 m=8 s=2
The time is h=6 m=56 s=56
